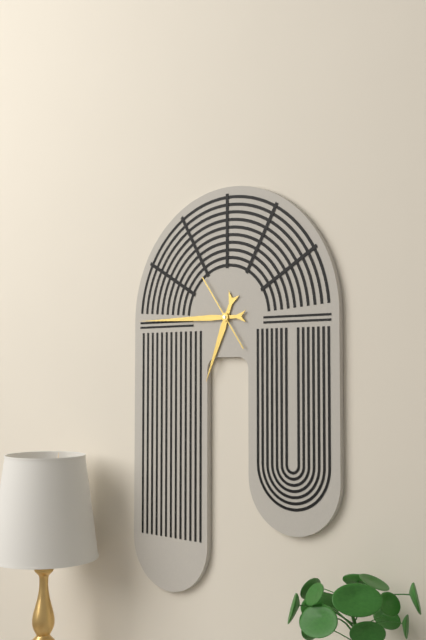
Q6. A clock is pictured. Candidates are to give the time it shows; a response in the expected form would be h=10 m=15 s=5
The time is h=6 m=45 s=54
